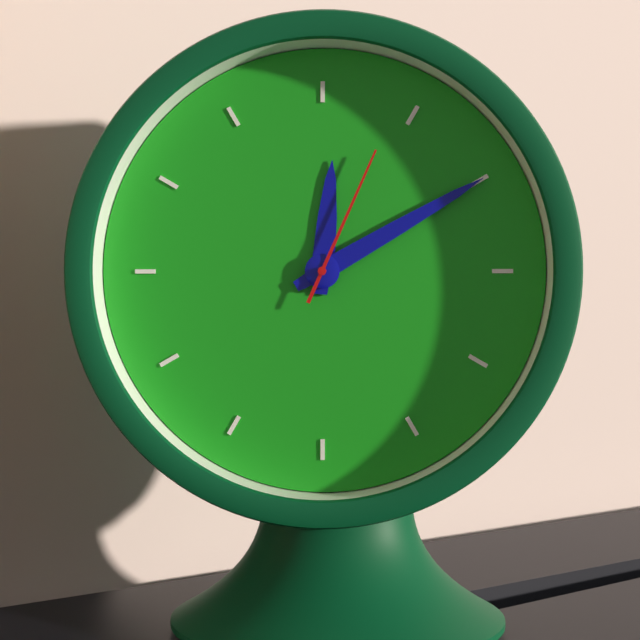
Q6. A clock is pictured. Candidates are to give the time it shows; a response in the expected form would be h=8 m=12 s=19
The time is h=12 m=10 s=4
